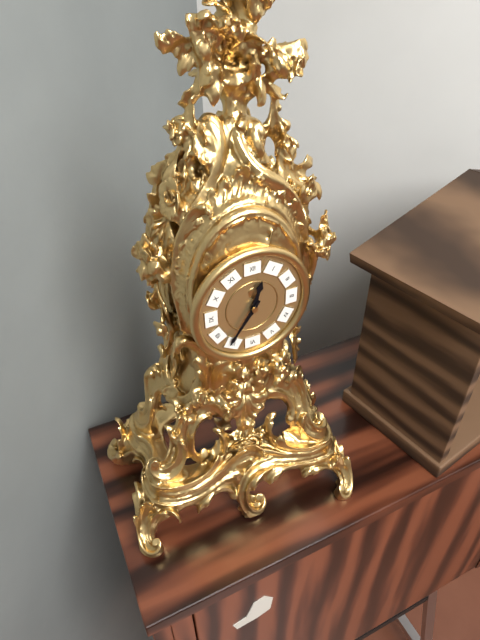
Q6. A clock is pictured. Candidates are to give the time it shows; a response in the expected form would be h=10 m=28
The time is h=12 m=36
